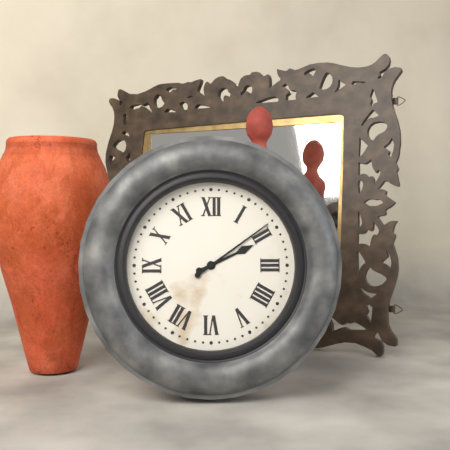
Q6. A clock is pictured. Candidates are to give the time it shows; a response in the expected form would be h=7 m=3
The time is h=2 m=9
